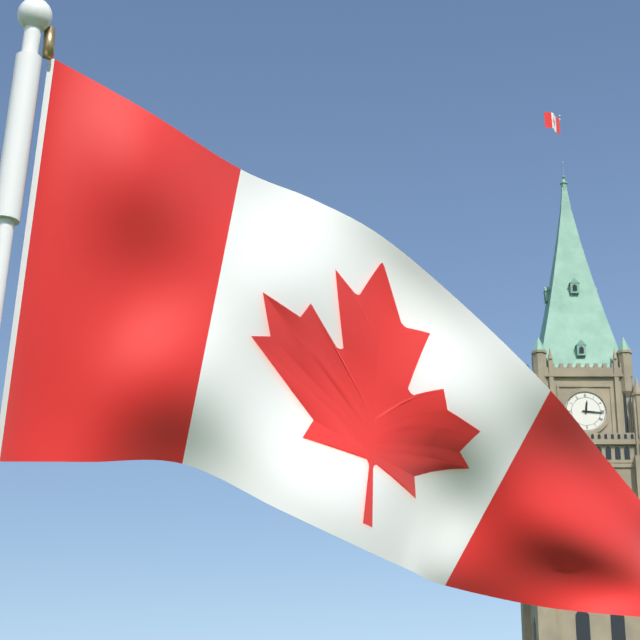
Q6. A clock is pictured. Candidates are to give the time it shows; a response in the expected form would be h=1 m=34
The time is h=12 m=16
